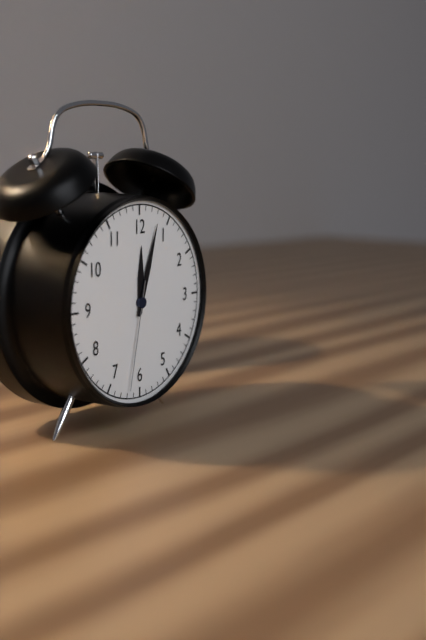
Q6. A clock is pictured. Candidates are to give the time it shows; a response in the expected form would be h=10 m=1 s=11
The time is h=12 m=3 s=32
